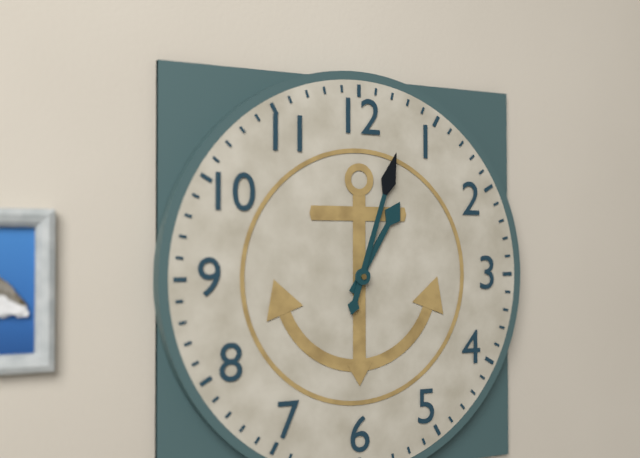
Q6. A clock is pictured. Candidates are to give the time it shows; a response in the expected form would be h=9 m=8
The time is h=1 m=3
